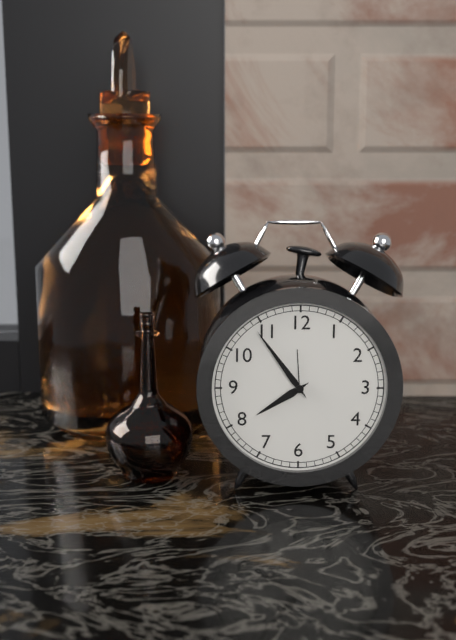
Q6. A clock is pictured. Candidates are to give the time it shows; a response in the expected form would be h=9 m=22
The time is h=7 m=54
